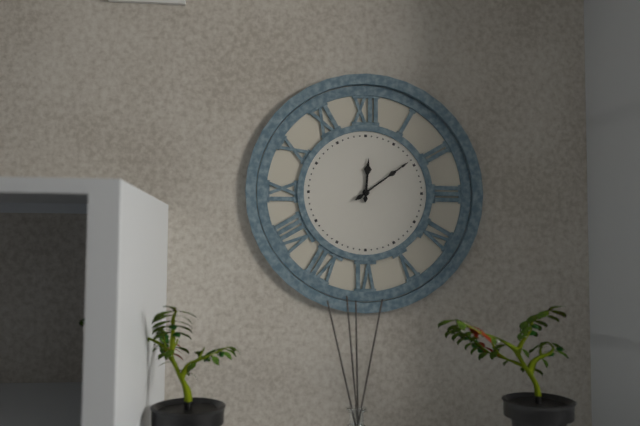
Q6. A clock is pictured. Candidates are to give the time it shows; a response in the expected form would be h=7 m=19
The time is h=12 m=9
